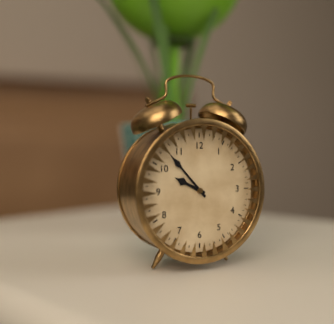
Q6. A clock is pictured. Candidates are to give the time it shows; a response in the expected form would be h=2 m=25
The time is h=9 m=53
